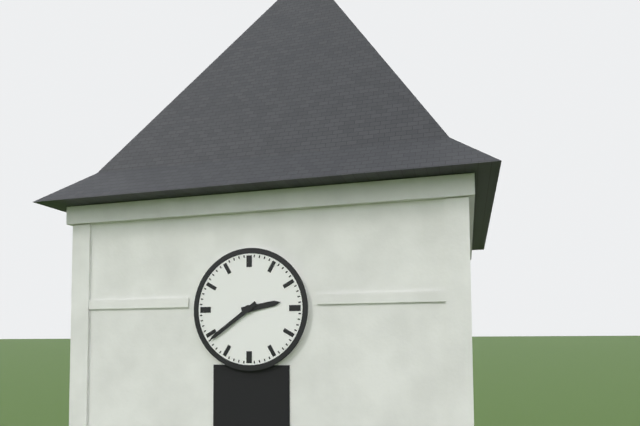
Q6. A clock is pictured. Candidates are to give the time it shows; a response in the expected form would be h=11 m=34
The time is h=2 m=39
